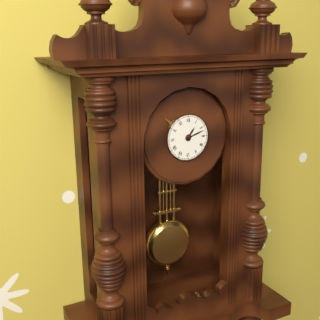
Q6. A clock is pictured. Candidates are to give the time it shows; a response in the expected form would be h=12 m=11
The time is h=1 m=12
